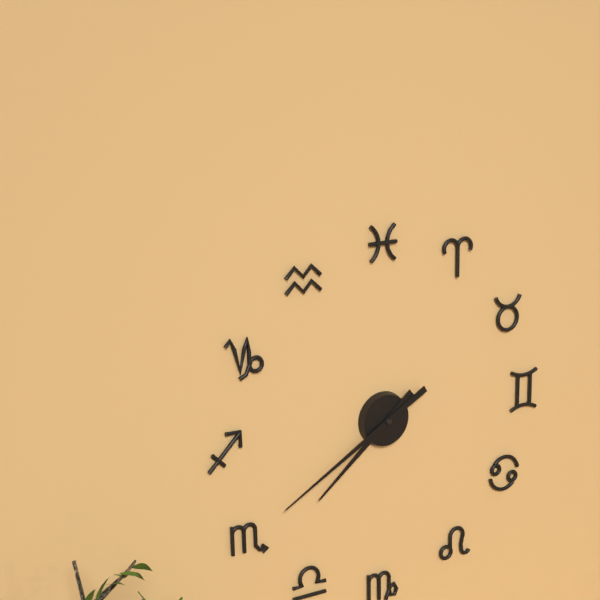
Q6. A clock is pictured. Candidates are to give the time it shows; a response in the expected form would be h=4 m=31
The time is h=7 m=40
